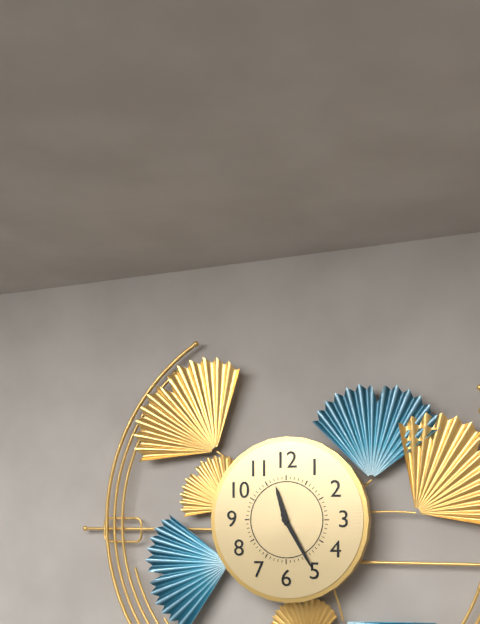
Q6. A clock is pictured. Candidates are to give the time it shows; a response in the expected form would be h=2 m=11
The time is h=11 m=25
